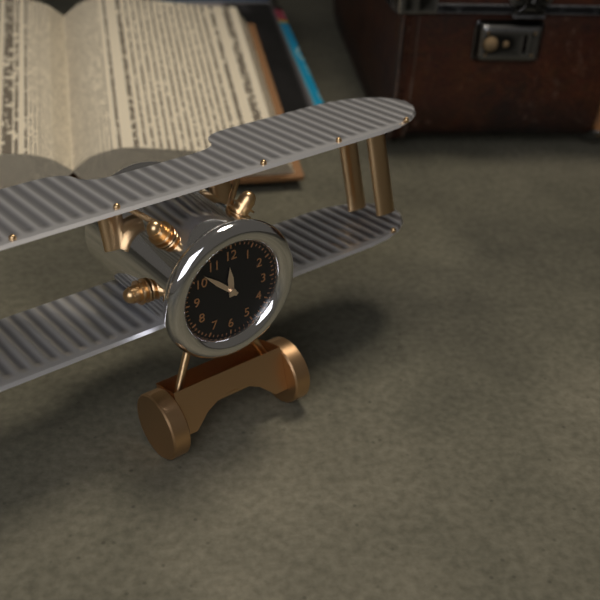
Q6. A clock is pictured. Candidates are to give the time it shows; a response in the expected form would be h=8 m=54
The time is h=11 m=52
